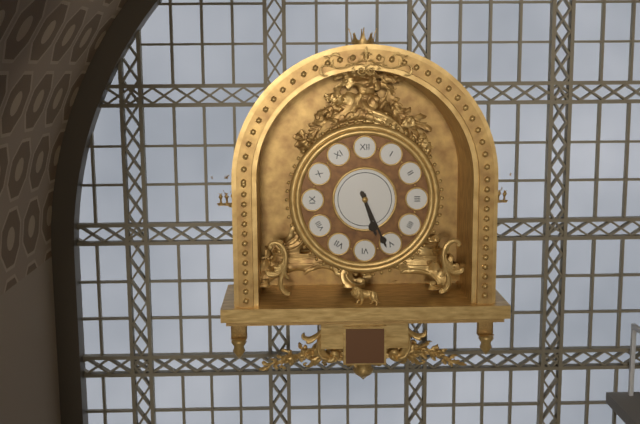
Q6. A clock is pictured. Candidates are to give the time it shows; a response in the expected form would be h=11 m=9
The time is h=5 m=26
